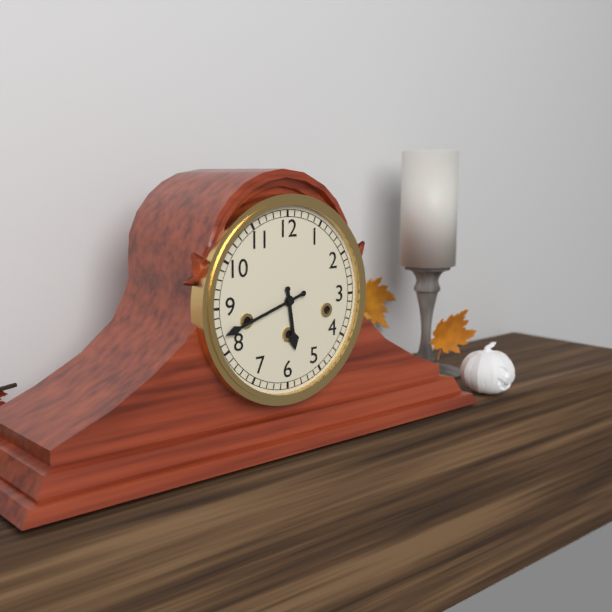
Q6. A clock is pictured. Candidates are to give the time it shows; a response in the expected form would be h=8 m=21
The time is h=5 m=42
